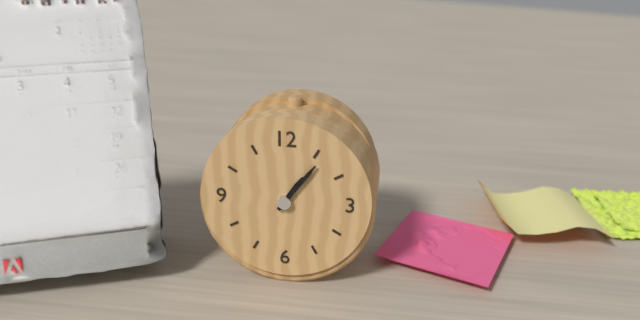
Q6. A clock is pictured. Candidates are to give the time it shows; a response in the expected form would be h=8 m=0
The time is h=1 m=6
